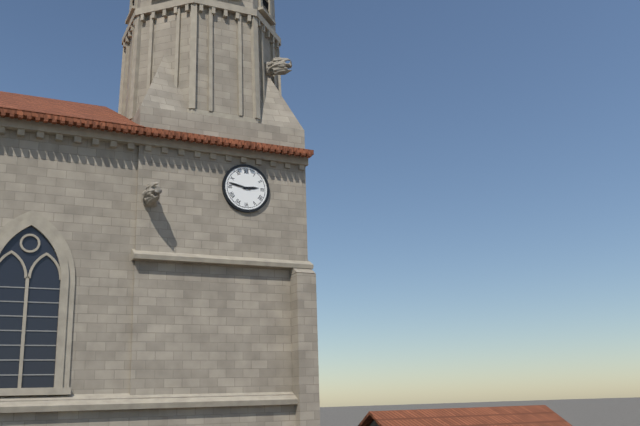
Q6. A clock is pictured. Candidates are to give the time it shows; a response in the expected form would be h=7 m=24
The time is h=2 m=47
